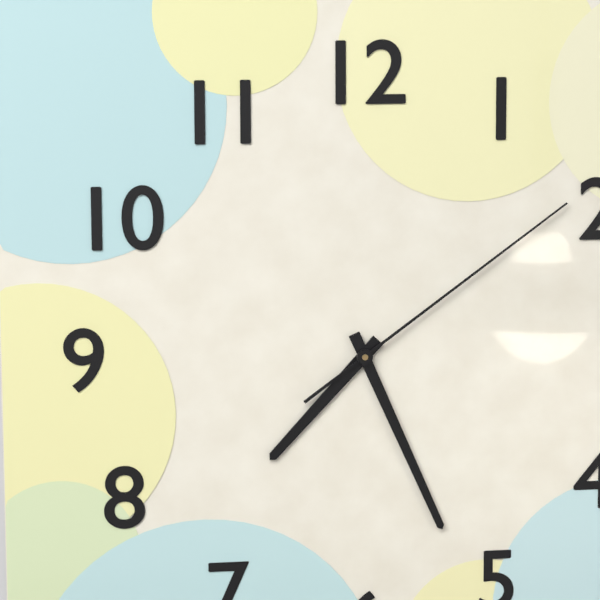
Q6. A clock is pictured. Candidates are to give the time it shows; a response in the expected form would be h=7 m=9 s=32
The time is h=7 m=26 s=9
